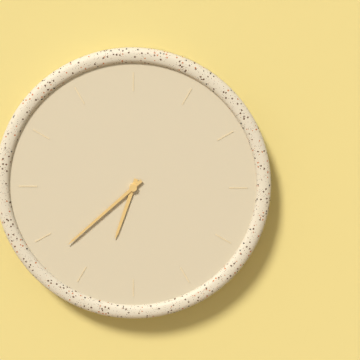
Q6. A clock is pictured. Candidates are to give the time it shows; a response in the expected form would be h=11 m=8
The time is h=6 m=38
